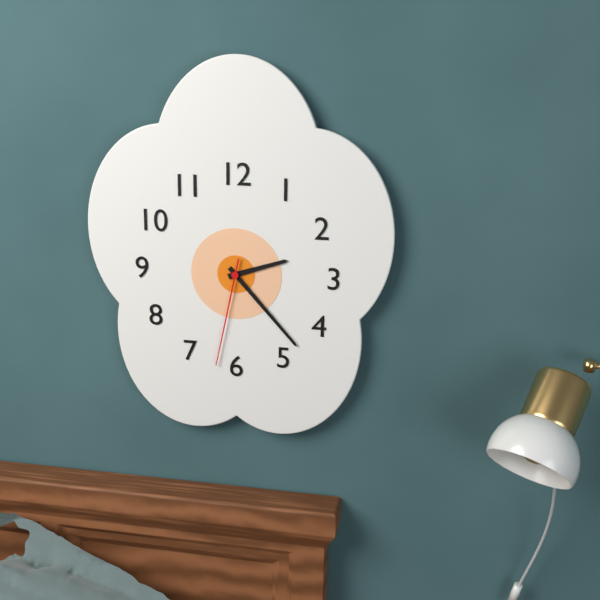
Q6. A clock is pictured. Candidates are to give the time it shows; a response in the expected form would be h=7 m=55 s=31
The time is h=2 m=23 s=32
